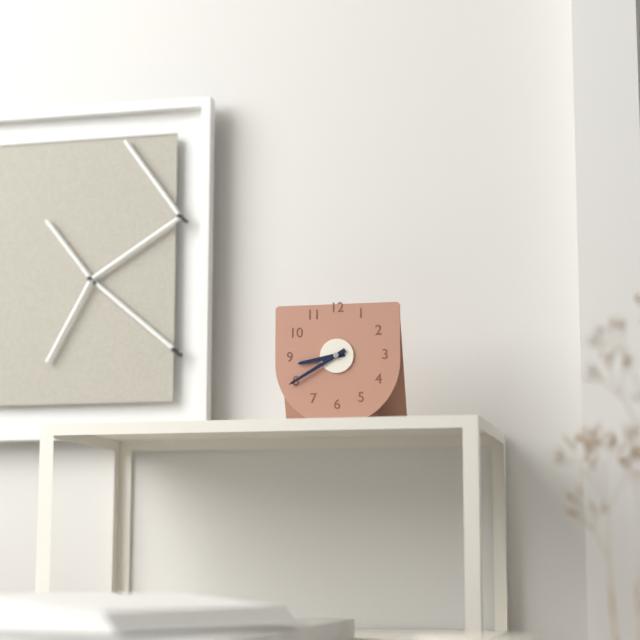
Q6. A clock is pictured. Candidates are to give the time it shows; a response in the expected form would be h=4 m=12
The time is h=8 m=40
